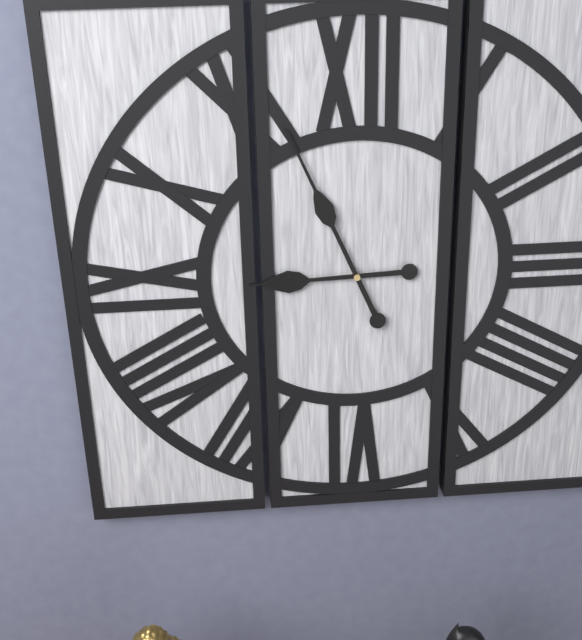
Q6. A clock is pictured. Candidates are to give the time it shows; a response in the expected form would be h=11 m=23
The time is h=8 m=56
